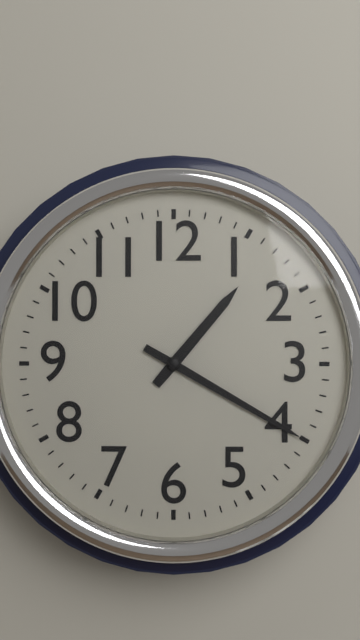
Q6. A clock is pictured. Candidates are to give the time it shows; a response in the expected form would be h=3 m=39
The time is h=1 m=20
